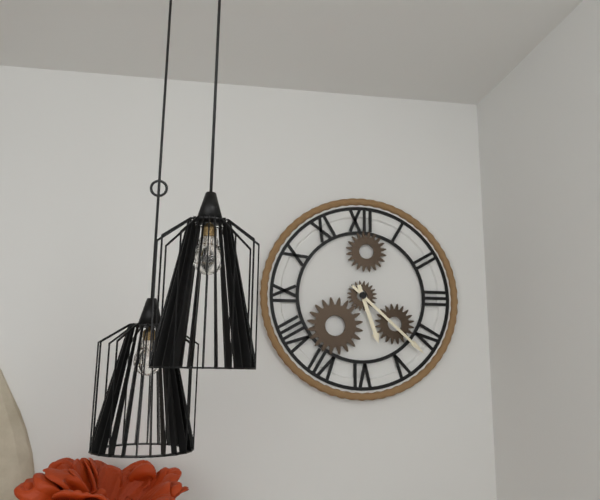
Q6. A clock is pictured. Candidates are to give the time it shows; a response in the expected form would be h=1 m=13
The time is h=5 m=22
